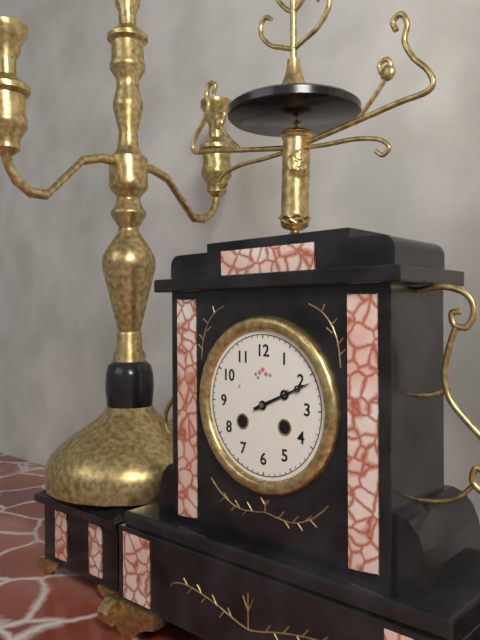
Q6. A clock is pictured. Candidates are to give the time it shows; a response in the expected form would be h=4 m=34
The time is h=2 m=11
